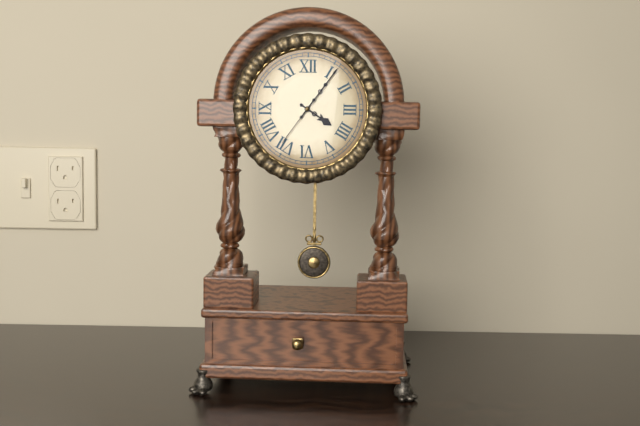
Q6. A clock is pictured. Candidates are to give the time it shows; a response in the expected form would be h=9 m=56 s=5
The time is h=4 m=6 s=36
